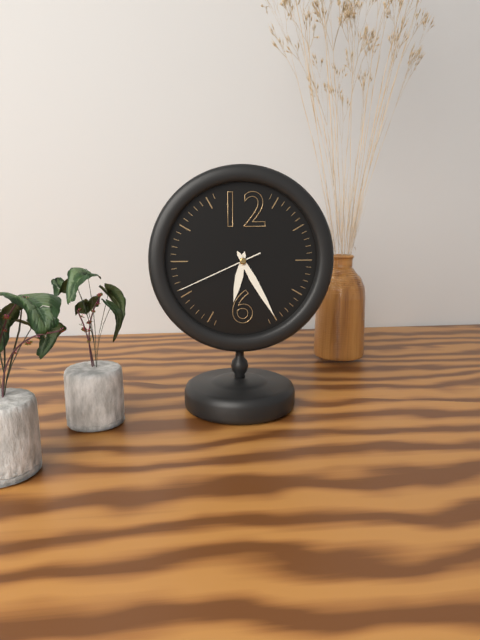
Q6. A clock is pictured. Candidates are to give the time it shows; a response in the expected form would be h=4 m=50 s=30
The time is h=6 m=25 s=41
